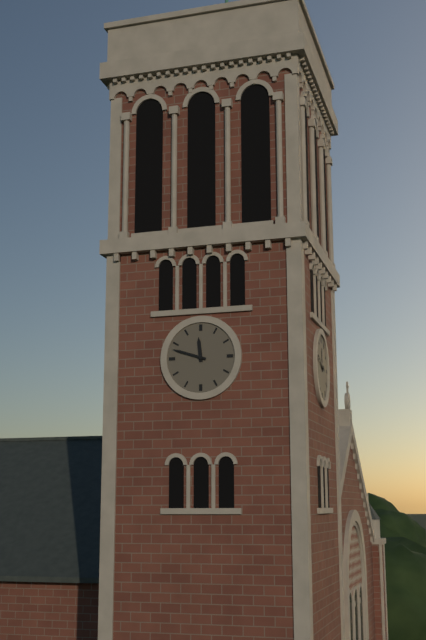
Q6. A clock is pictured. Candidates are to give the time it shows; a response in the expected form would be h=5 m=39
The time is h=11 m=48
